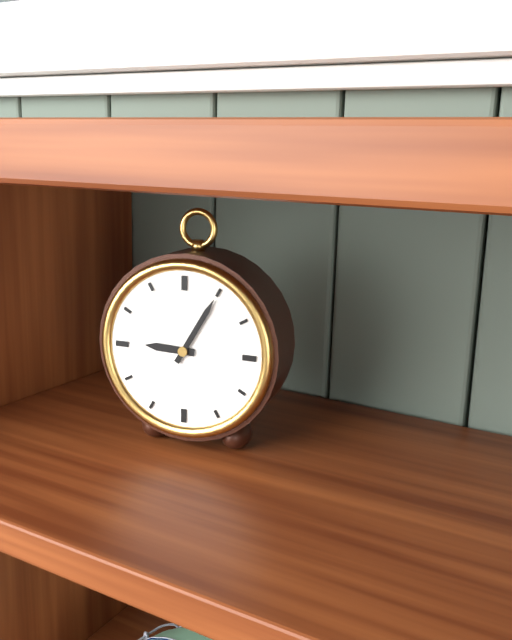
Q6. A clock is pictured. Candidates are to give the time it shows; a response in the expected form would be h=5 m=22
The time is h=9 m=5
